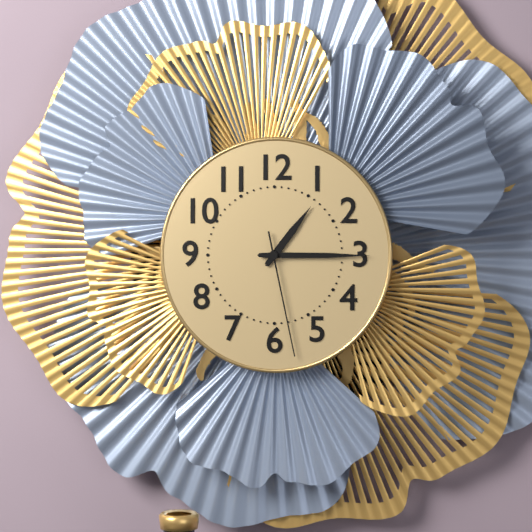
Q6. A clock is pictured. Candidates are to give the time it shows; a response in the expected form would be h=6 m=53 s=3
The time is h=1 m=15 s=28
